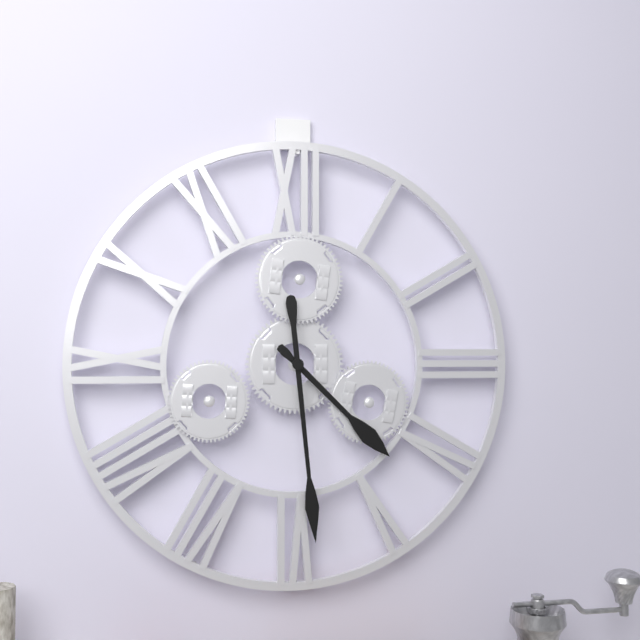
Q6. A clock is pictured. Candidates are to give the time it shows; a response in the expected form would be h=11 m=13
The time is h=4 m=29
